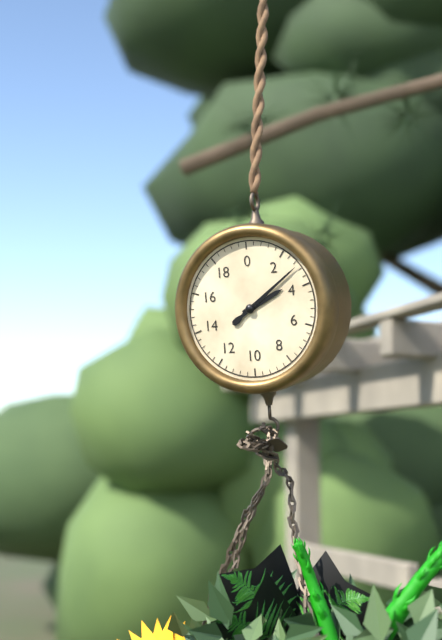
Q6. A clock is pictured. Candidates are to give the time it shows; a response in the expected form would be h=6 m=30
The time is h=2 m=9
